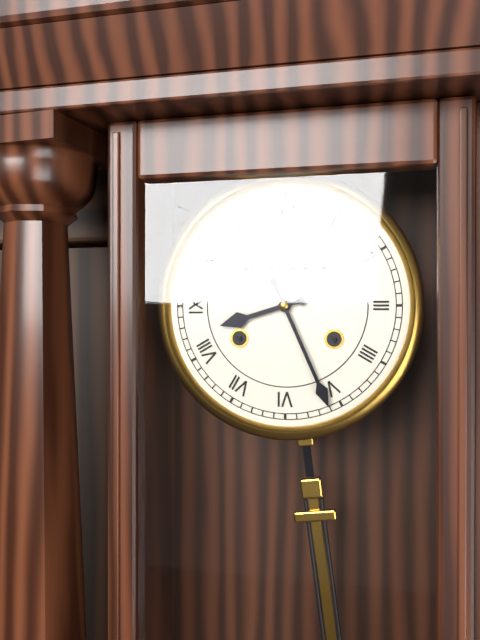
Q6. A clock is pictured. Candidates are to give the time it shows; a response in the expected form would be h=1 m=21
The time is h=8 m=26
